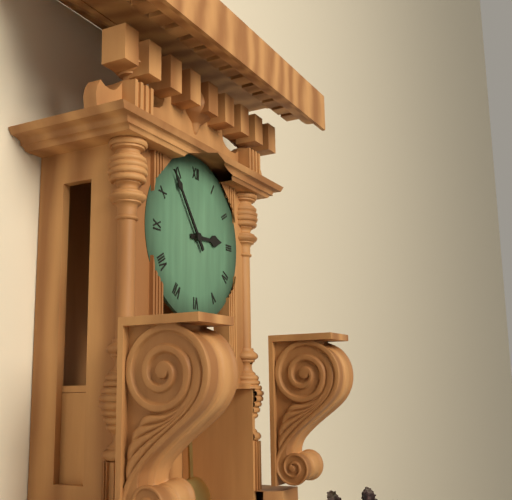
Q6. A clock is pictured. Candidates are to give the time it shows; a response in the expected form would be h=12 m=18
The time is h=2 m=54
